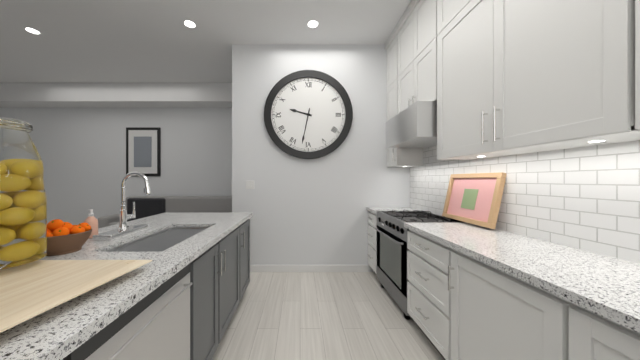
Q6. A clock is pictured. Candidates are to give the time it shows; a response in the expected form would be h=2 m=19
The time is h=9 m=32
